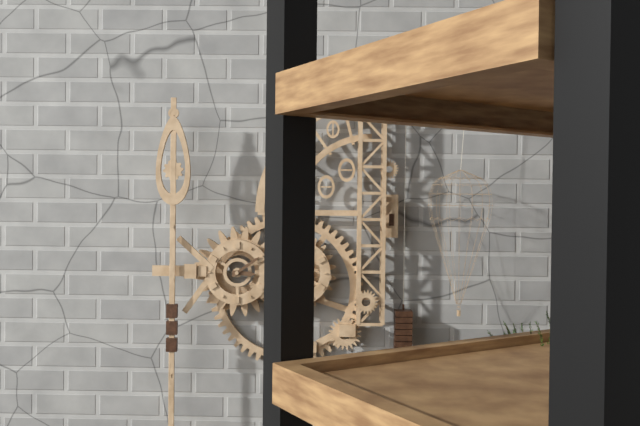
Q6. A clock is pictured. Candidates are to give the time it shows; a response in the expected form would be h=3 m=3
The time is h=3 m=9
